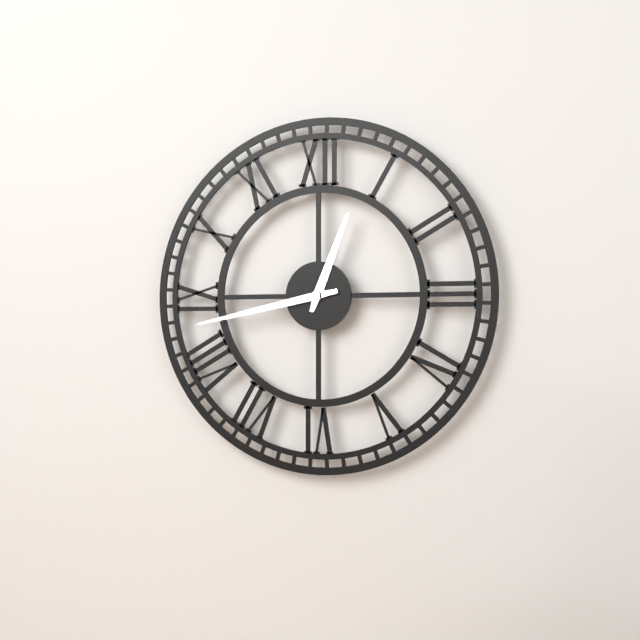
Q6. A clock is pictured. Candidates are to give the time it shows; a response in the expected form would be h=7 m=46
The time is h=12 m=43
